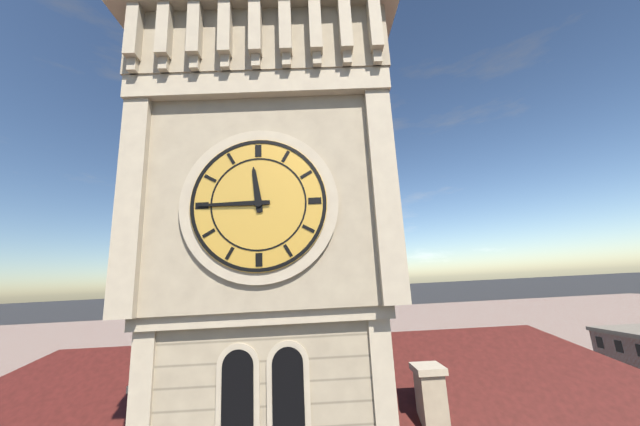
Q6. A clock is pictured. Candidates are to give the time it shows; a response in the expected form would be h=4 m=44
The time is h=11 m=45
